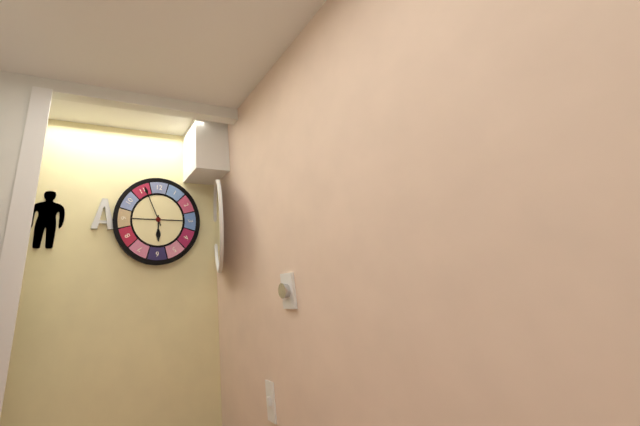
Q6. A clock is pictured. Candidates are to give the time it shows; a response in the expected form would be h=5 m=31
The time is h=5 m=56
